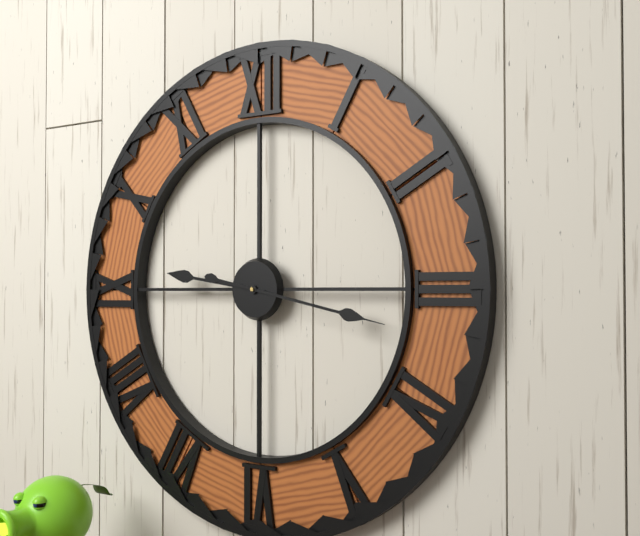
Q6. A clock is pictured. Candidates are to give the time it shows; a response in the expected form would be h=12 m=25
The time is h=9 m=17
